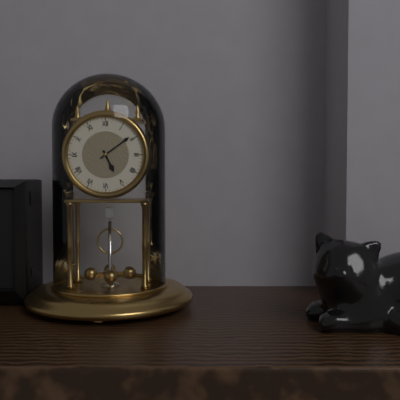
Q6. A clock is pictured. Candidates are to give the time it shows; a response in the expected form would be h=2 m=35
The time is h=5 m=9
